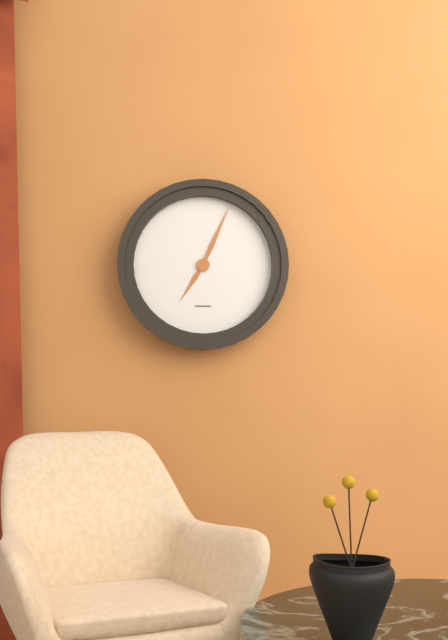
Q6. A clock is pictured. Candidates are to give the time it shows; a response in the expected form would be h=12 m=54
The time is h=7 m=4
